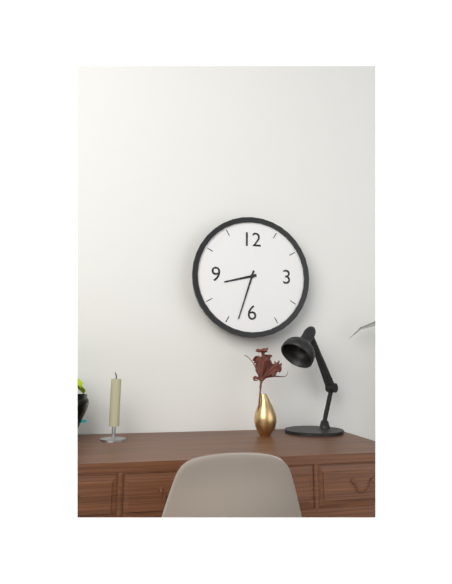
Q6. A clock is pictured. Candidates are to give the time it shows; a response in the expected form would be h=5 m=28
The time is h=8 m=33
